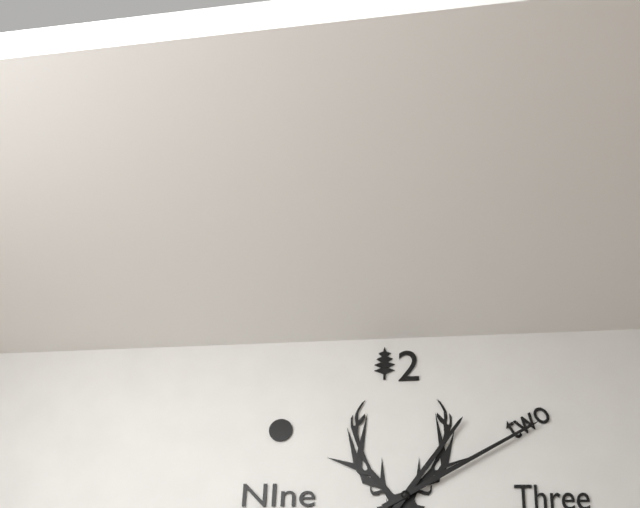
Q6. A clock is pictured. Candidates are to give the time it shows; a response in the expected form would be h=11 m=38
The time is h=1 m=10
